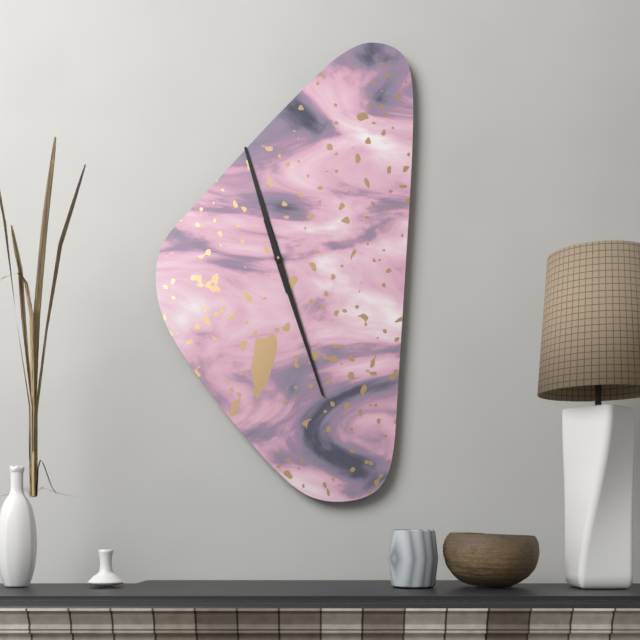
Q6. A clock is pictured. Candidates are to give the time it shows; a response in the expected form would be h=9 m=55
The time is h=11 m=27
